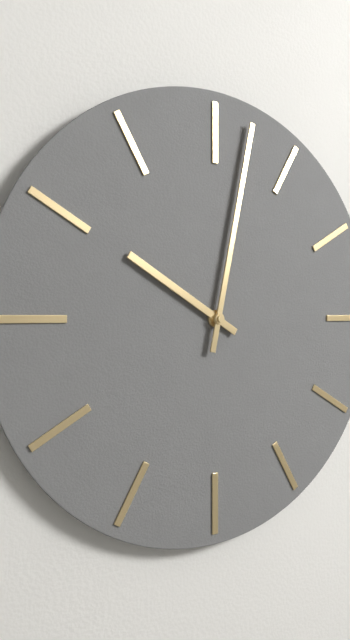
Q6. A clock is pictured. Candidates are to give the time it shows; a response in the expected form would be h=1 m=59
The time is h=10 m=2
